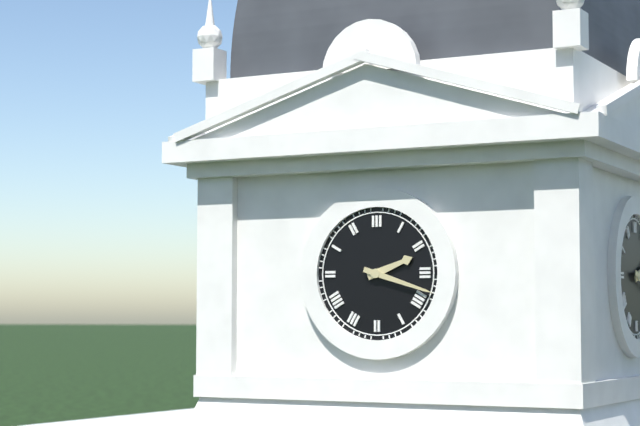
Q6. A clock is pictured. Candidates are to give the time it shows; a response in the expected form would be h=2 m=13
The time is h=2 m=18
